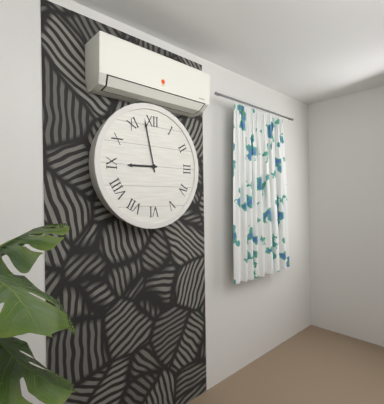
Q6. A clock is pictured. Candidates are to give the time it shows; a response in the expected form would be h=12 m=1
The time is h=8 m=58
